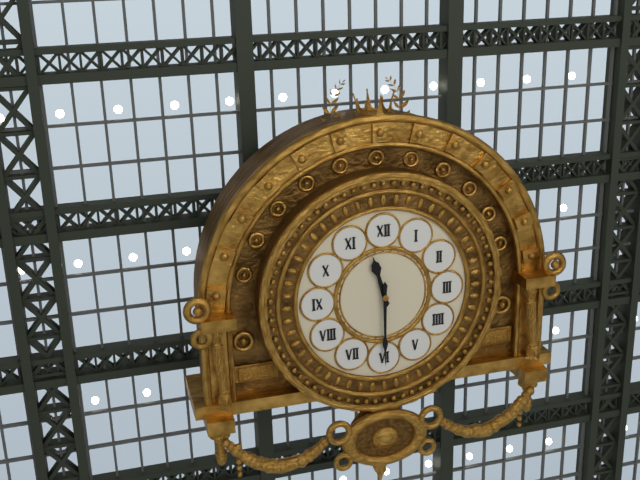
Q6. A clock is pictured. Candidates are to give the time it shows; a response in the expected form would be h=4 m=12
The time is h=11 m=30
